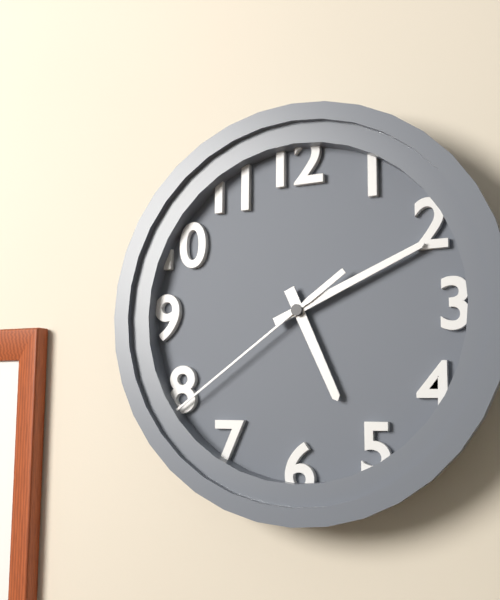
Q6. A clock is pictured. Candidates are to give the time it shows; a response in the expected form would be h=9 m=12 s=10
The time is h=5 m=11 s=39
